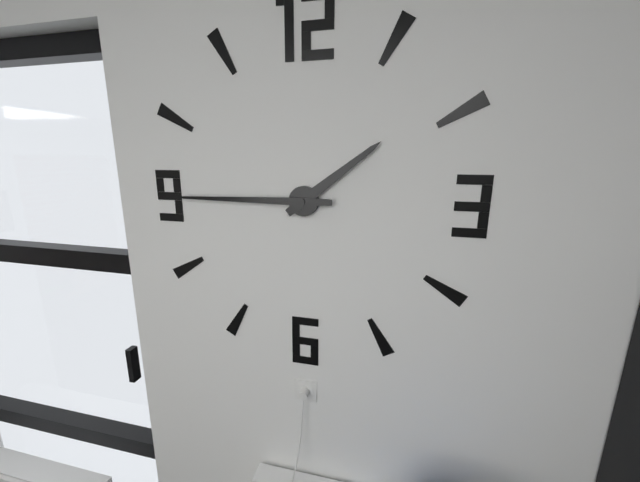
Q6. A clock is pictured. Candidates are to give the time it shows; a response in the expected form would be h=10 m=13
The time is h=1 m=45
